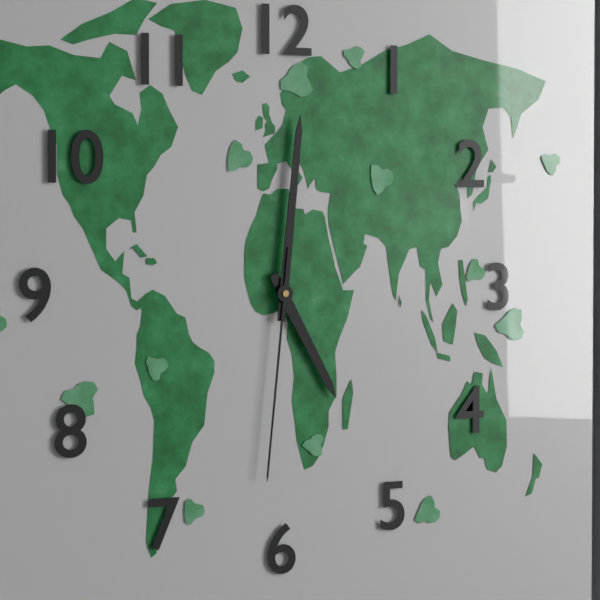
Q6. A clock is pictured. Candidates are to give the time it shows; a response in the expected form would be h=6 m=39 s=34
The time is h=5 m=1 s=31
